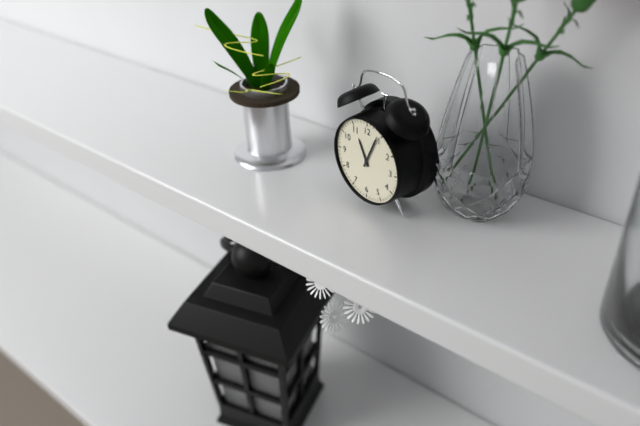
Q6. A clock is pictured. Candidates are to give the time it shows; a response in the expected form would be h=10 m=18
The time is h=11 m=4
